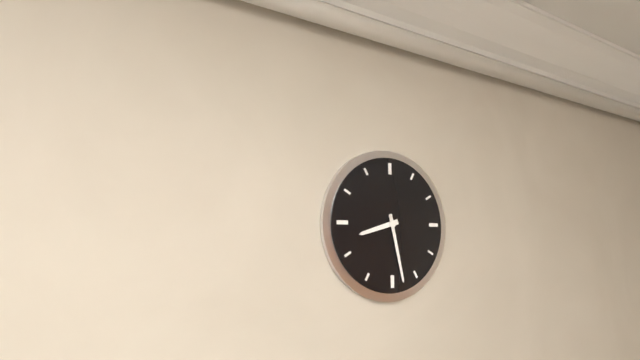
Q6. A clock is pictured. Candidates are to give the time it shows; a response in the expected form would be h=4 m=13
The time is h=8 m=28
